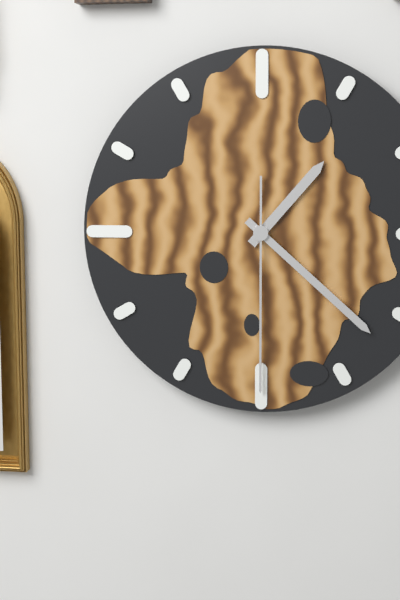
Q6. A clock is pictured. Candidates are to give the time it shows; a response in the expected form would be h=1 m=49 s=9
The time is h=1 m=22 s=30
